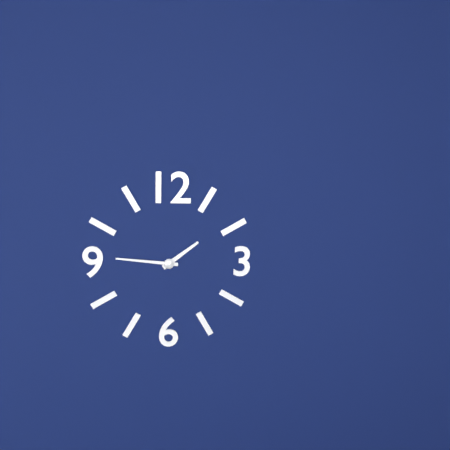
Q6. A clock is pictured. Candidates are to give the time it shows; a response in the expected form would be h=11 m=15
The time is h=1 m=46
